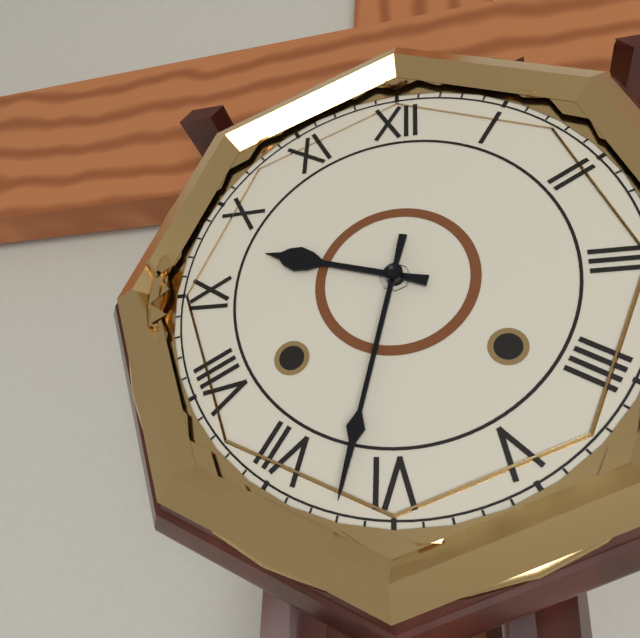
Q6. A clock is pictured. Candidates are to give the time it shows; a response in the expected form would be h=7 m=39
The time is h=9 m=32
